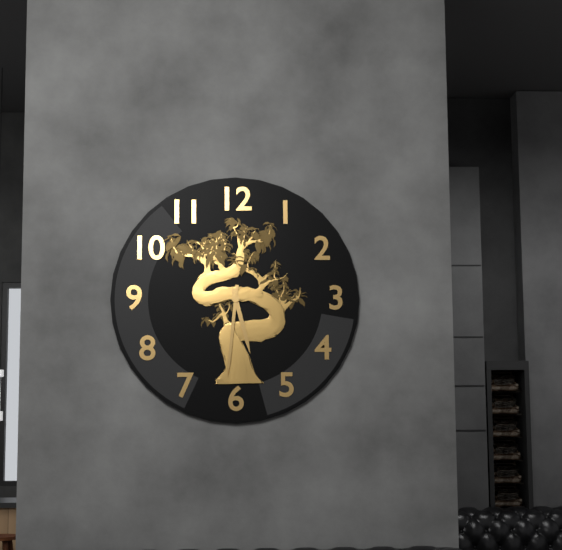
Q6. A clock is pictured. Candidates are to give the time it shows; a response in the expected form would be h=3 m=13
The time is h=5 m=31
